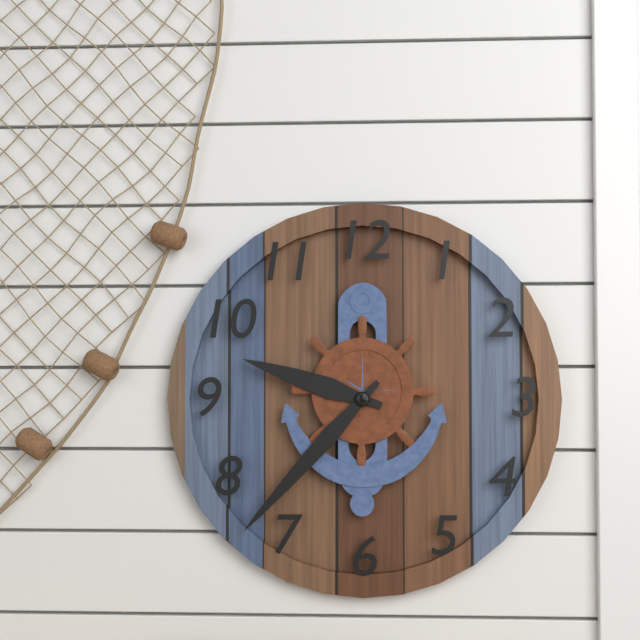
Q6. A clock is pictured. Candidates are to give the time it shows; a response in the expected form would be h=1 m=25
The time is h=9 m=37
